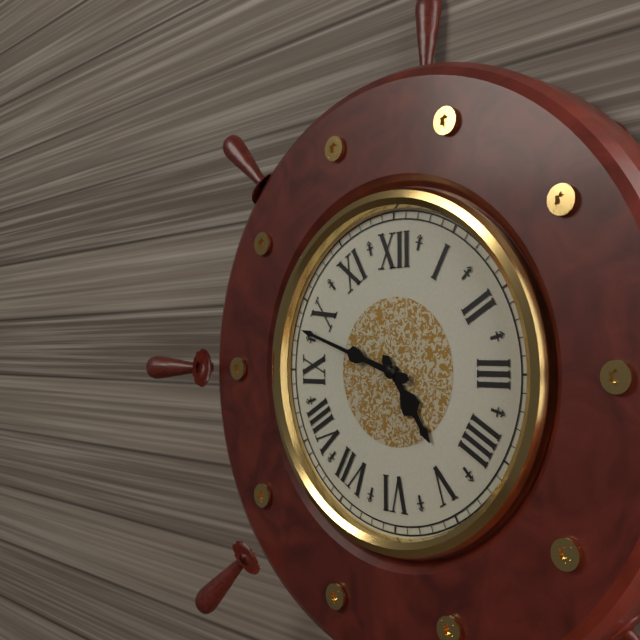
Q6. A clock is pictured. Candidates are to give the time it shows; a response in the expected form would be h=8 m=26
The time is h=4 m=48
